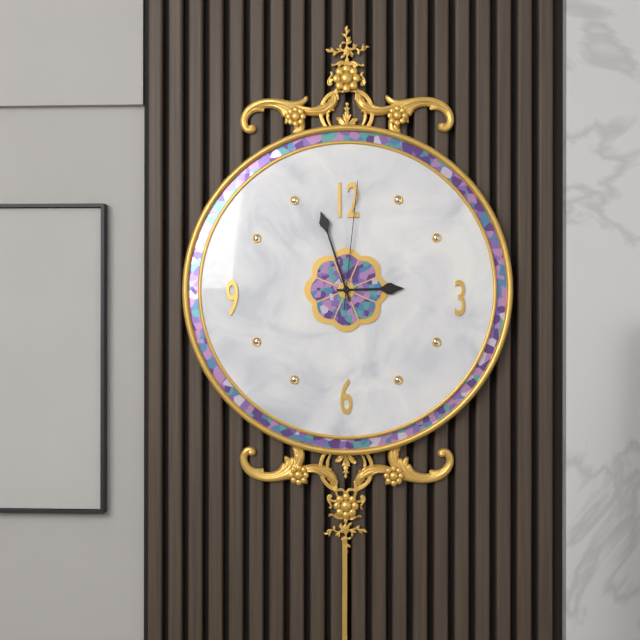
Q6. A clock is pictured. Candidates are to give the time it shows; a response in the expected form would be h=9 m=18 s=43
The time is h=2 m=57 s=1
